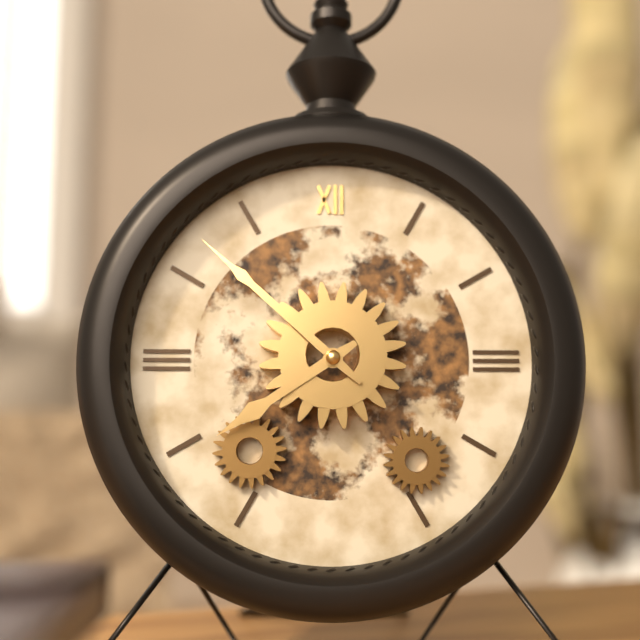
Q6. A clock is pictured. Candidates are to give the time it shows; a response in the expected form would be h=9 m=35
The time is h=7 m=52
